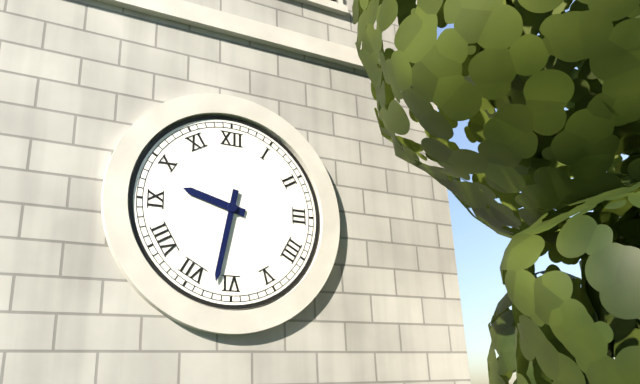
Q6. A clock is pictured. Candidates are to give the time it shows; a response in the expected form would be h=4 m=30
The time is h=9 m=32
